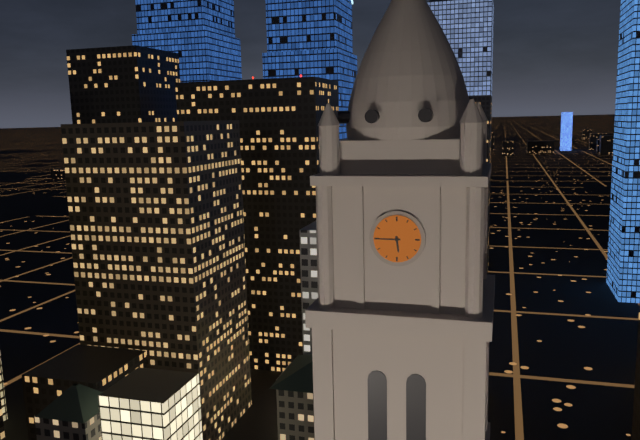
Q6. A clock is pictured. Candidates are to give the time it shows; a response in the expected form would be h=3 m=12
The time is h=5 m=45
